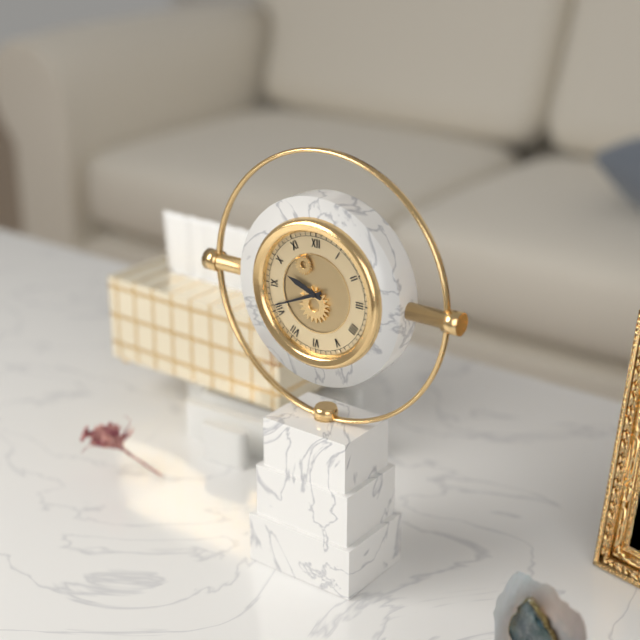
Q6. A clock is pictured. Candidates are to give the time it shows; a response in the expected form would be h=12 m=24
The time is h=9 m=41
